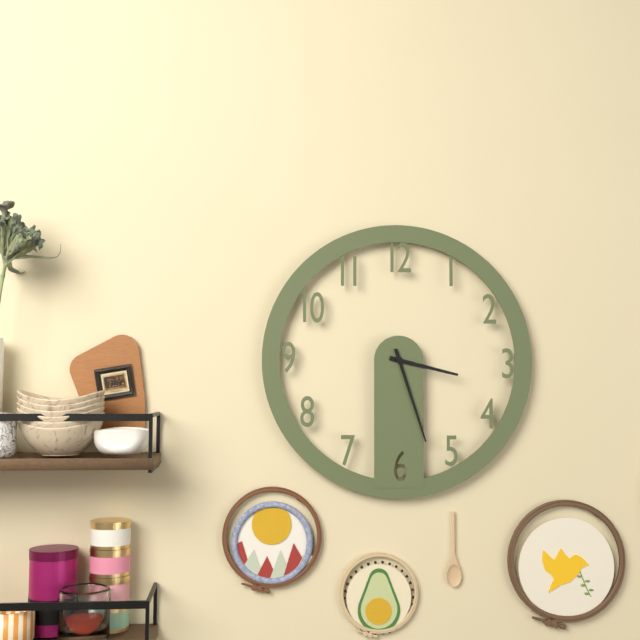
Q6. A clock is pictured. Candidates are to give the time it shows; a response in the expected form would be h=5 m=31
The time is h=3 m=27
